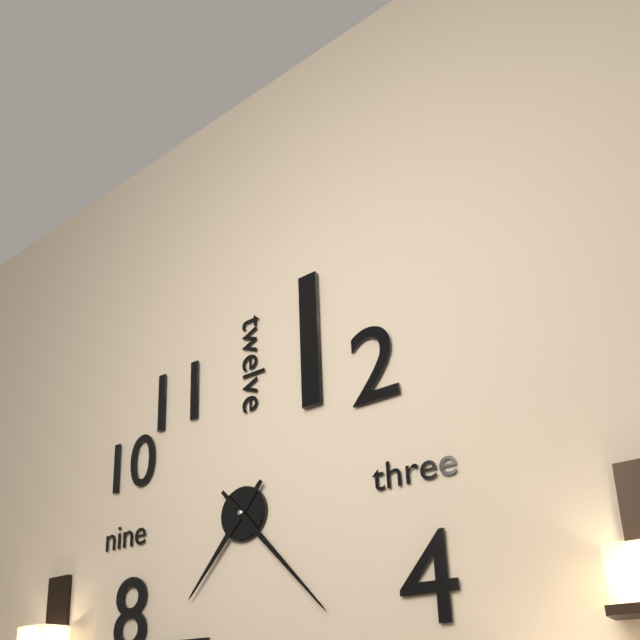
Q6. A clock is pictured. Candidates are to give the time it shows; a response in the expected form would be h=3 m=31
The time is h=7 m=23
